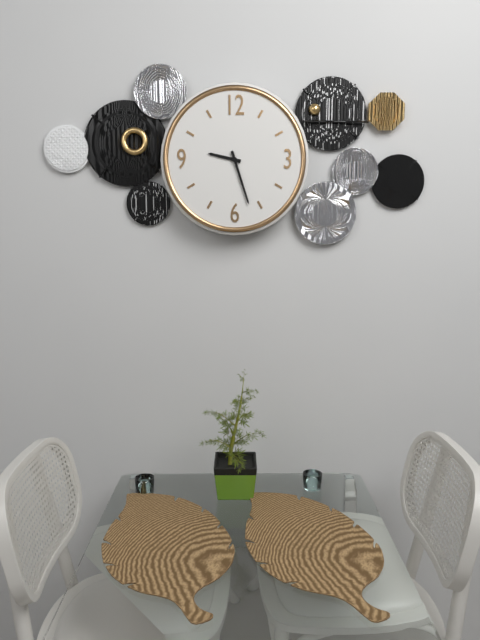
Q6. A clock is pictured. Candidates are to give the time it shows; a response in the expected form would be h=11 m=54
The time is h=9 m=27
